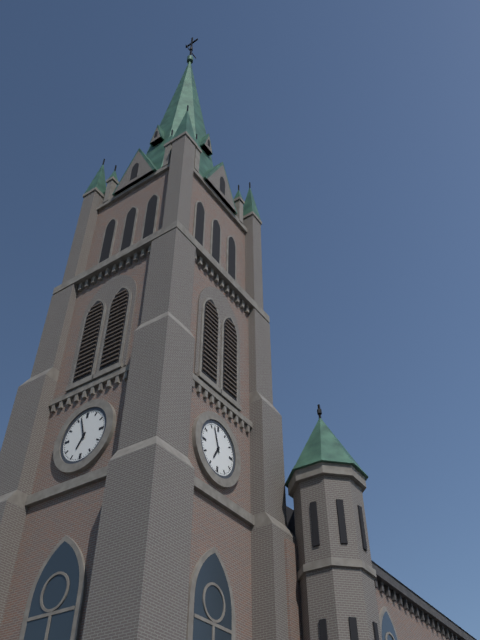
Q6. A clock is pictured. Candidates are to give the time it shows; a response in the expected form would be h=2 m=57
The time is h=6 m=57
